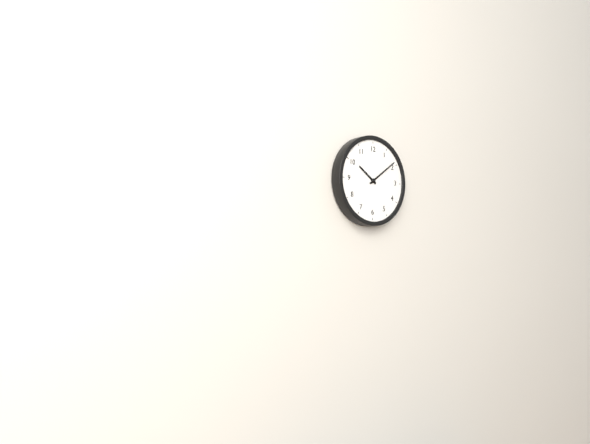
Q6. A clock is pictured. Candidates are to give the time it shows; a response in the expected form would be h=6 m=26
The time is h=10 m=9
